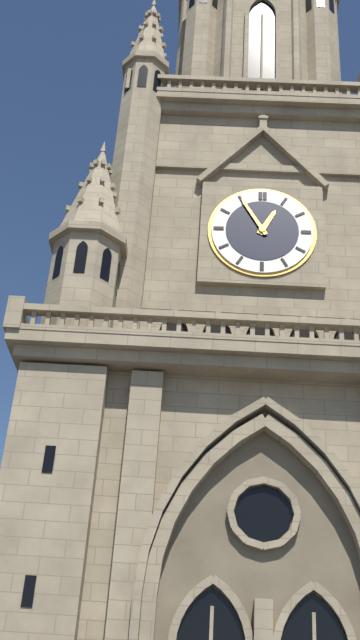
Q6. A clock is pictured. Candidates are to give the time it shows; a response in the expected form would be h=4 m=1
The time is h=12 m=55
